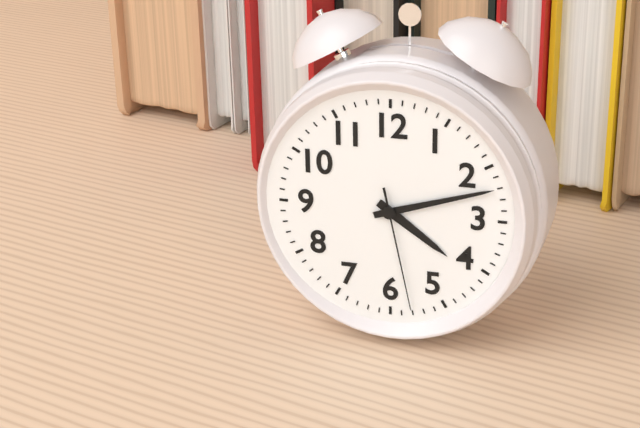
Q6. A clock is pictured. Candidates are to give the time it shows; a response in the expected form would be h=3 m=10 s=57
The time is h=4 m=12 s=28
